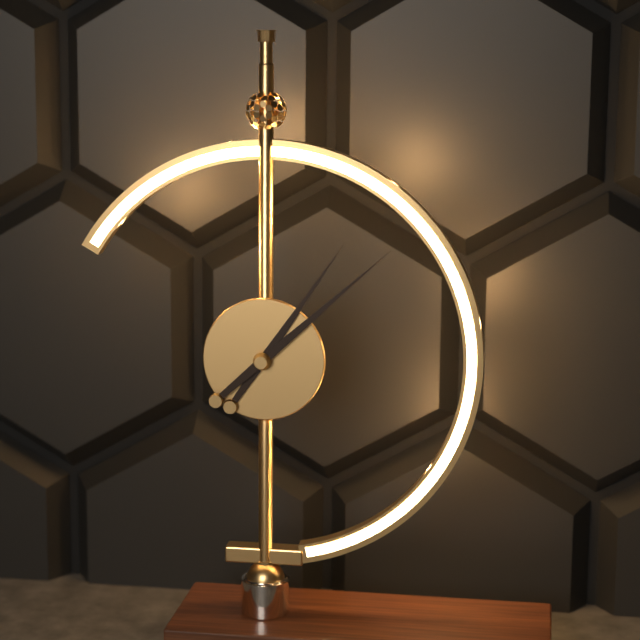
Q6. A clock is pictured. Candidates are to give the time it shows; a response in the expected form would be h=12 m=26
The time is h=1 m=8
